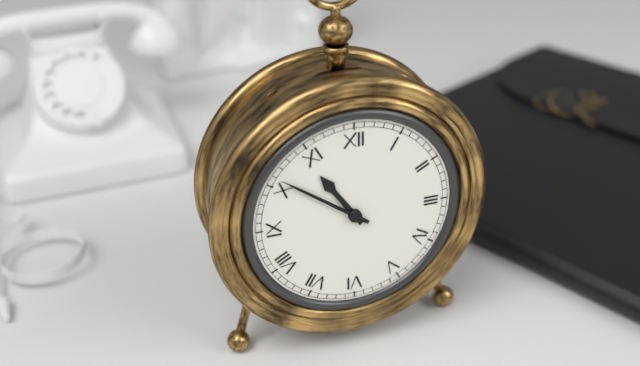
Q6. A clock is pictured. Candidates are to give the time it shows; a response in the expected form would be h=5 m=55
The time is h=10 m=51
